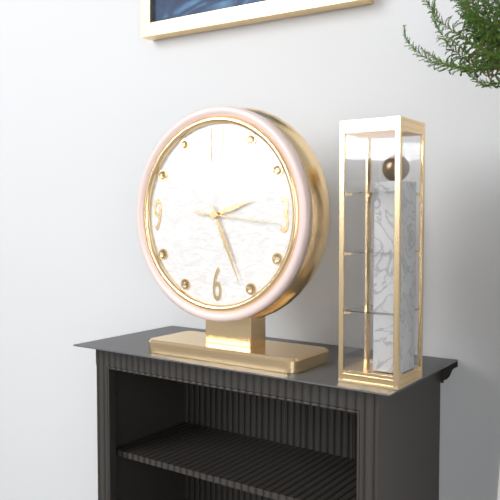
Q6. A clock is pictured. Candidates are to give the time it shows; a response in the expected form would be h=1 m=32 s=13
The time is h=2 m=26 s=16
